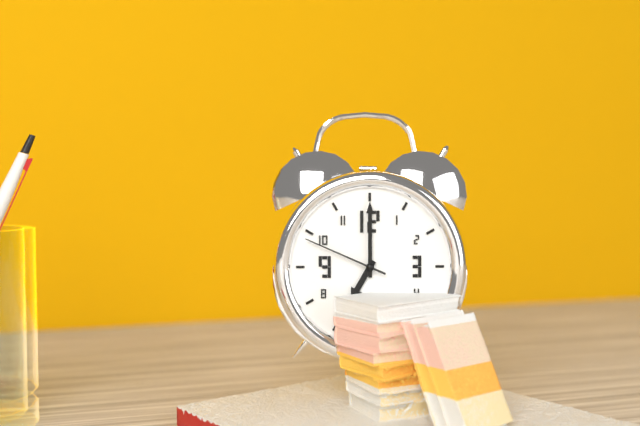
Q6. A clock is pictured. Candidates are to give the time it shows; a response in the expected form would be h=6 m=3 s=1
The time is h=7 m=0 s=49
